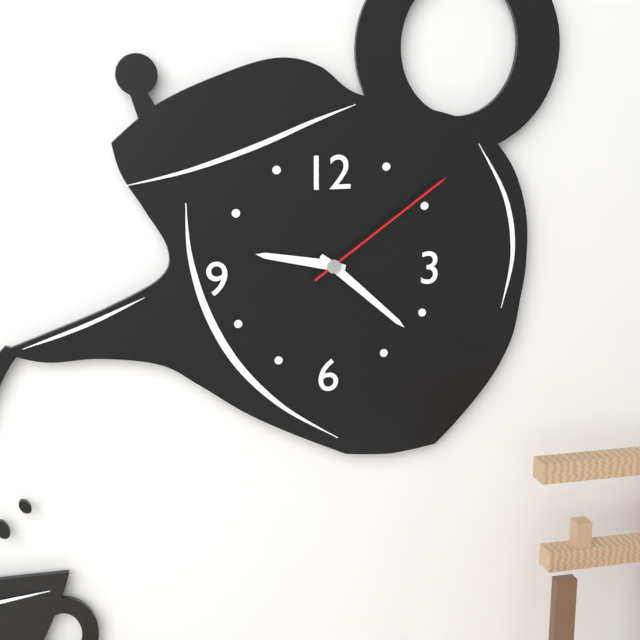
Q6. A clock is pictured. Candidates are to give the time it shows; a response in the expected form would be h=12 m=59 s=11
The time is h=9 m=22 s=9
